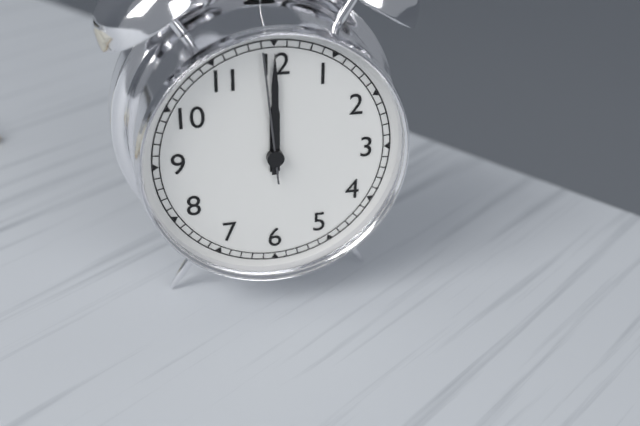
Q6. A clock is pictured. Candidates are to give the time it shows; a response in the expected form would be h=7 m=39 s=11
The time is h=12 m=0 s=59
